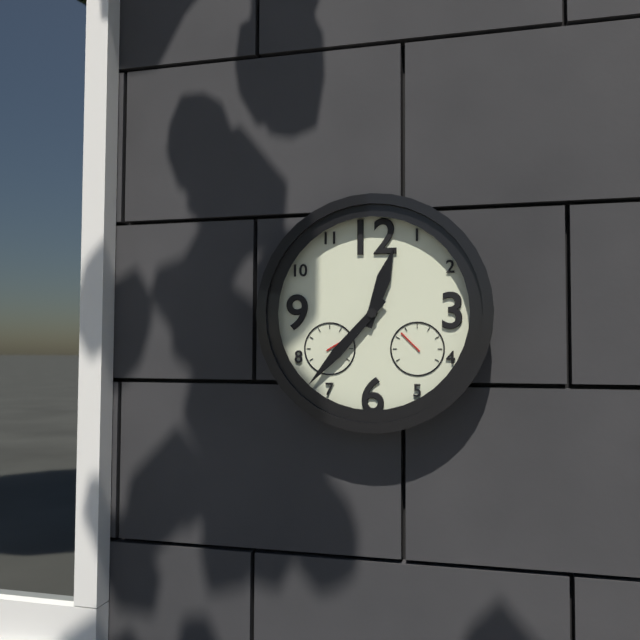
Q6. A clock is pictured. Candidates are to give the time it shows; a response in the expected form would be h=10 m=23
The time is h=12 m=37
